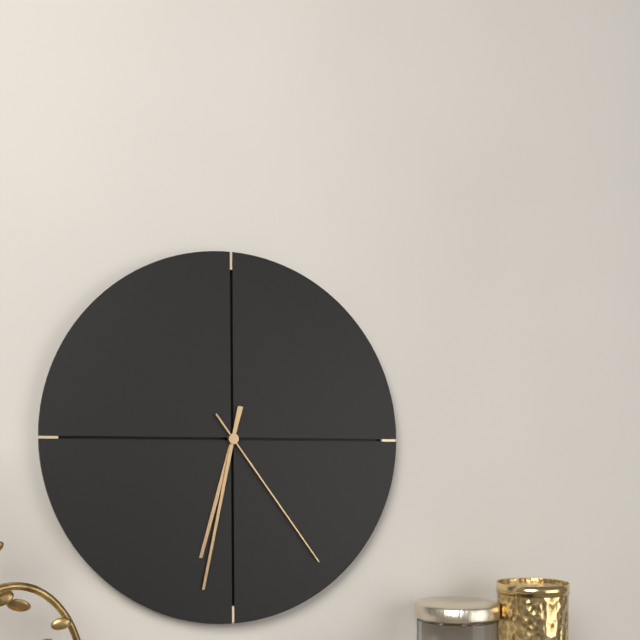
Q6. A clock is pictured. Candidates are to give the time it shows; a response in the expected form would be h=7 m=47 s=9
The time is h=6 m=32 s=24
